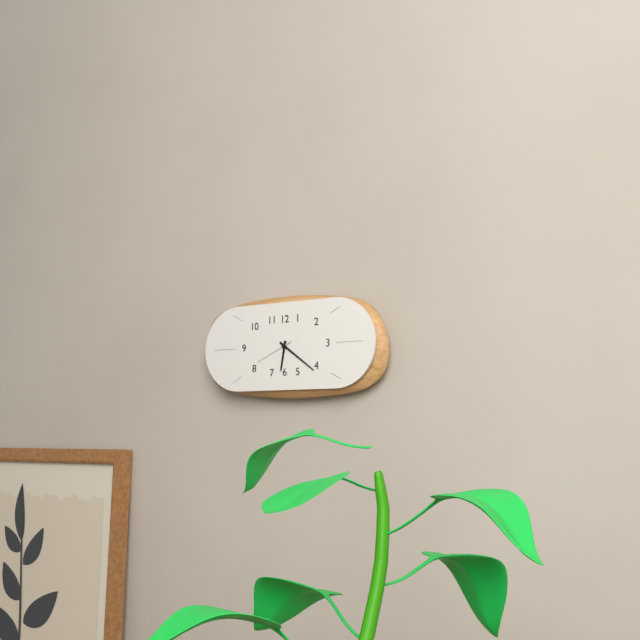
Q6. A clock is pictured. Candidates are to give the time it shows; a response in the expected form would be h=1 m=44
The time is h=6 m=21
